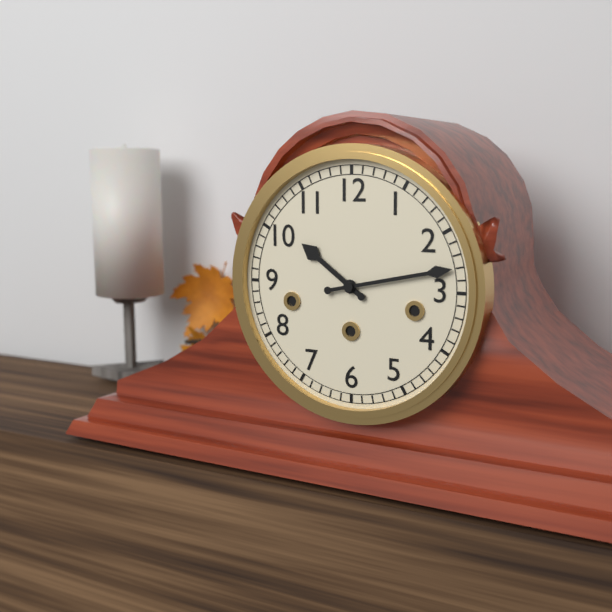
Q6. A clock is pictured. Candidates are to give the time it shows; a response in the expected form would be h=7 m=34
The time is h=10 m=13
